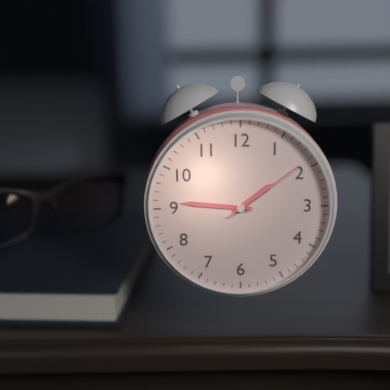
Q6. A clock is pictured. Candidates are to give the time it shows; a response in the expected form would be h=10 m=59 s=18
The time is h=1 m=46 s=9
